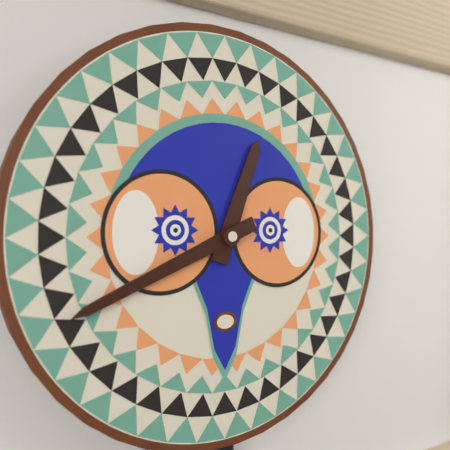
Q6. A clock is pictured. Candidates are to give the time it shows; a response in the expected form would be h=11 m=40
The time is h=12 m=41
